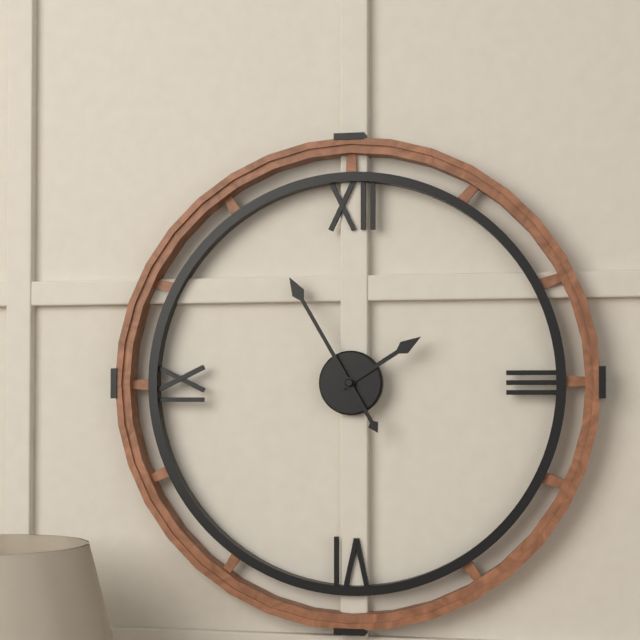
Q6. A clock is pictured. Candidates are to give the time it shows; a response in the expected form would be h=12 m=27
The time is h=1 m=55
